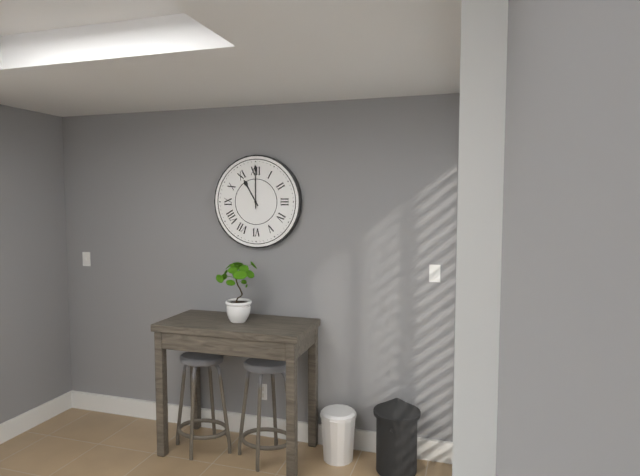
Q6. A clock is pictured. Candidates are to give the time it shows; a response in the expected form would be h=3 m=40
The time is h=11 m=0
